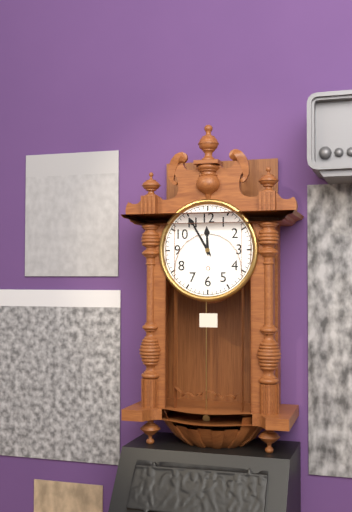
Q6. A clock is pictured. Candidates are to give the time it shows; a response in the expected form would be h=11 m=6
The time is h=11 m=55
